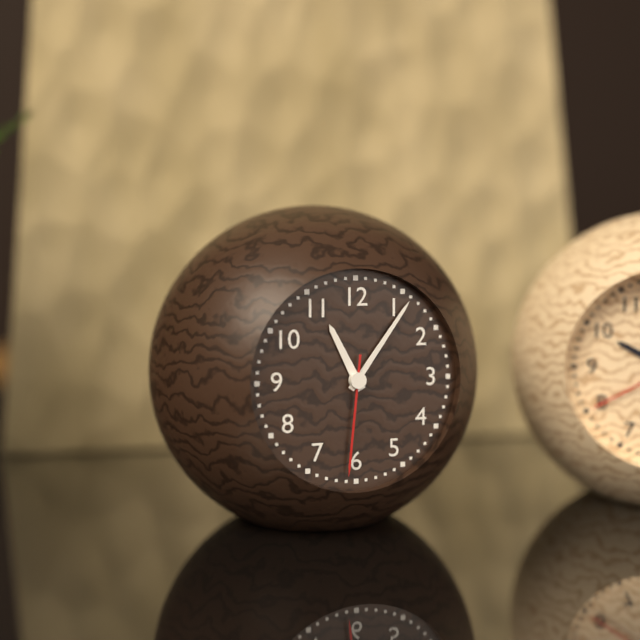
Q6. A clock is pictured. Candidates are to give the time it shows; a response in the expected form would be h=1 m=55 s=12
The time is h=11 m=6 s=31
